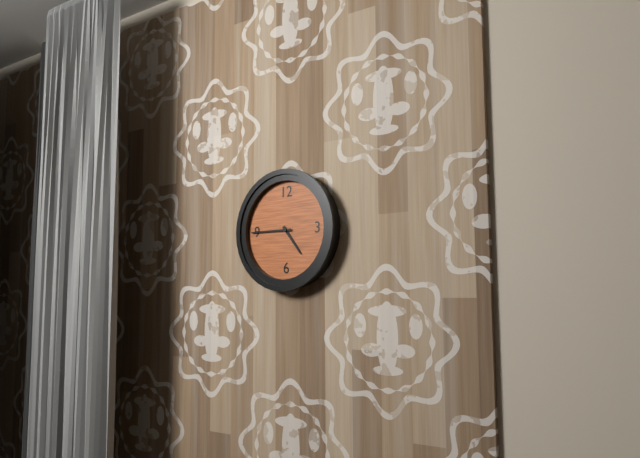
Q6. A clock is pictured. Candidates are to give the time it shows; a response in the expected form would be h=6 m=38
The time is h=4 m=45
